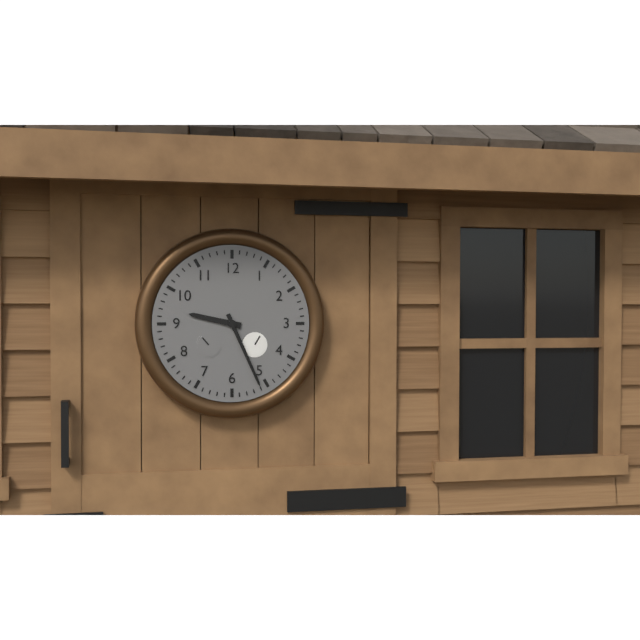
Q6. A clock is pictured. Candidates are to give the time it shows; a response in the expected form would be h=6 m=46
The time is h=9 m=26
